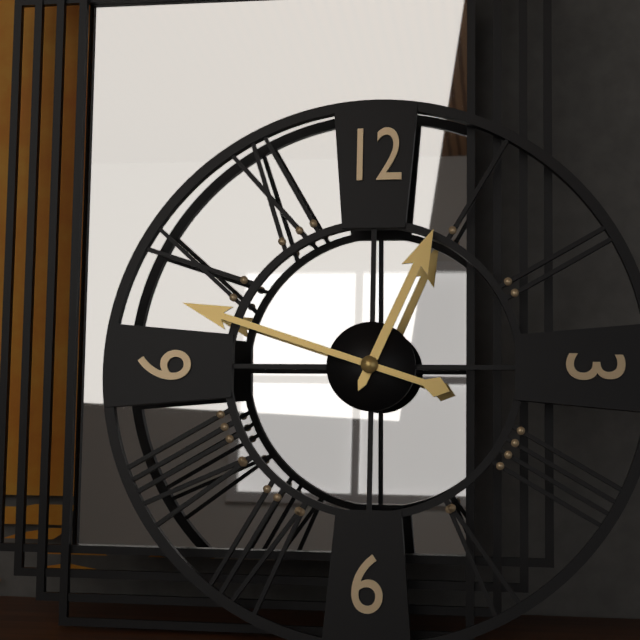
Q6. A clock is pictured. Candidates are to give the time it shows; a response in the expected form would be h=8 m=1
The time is h=12 m=48
